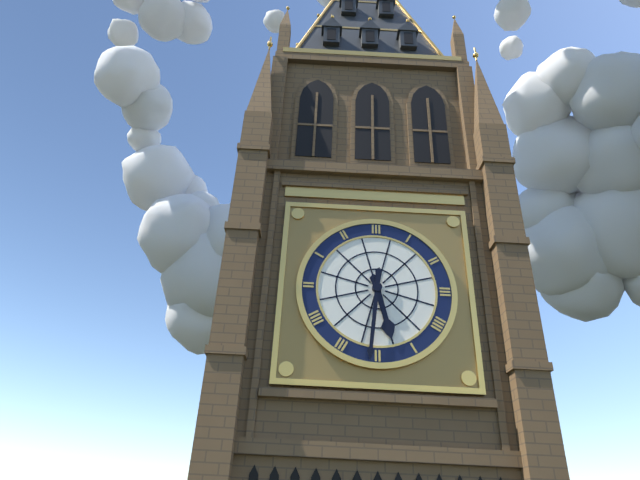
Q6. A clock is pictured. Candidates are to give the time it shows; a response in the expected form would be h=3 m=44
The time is h=5 m=31
